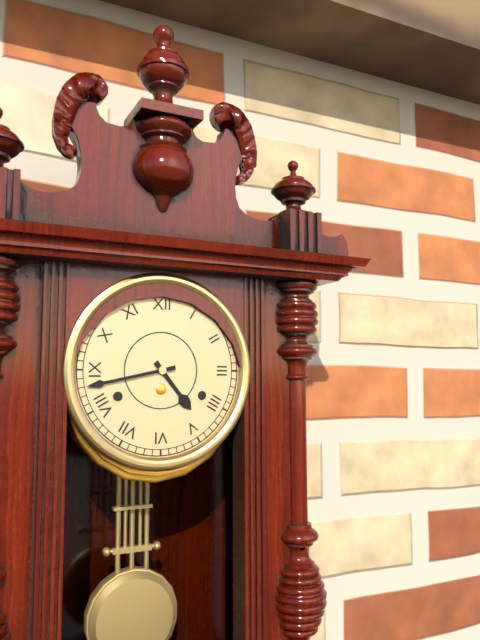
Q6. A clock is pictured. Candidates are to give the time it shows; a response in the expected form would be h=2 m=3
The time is h=4 m=43
